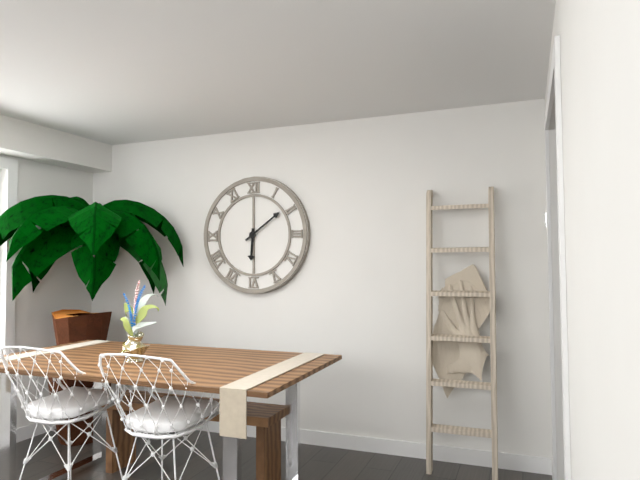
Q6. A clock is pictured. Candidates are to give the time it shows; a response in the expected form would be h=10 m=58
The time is h=6 m=9
